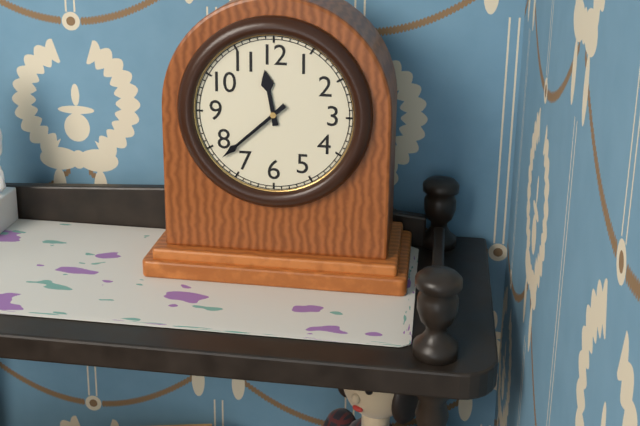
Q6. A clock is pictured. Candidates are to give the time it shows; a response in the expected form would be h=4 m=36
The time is h=11 m=38
